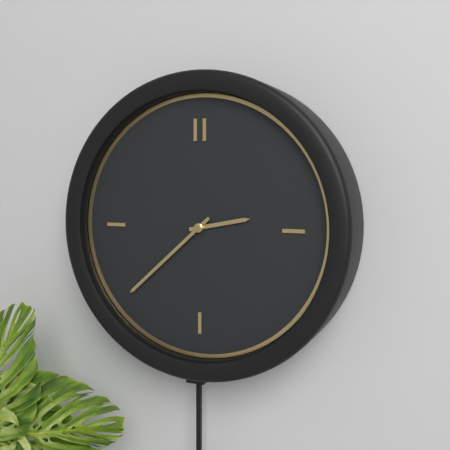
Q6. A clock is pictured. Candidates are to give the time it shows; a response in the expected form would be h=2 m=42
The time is h=2 m=38
